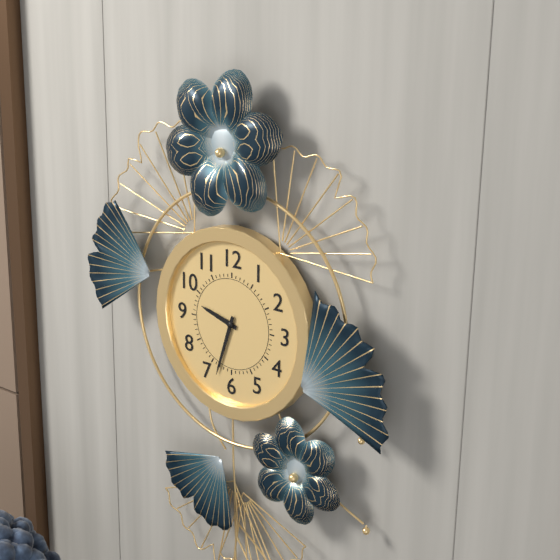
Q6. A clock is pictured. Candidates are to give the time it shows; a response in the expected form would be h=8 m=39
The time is h=9 m=33
